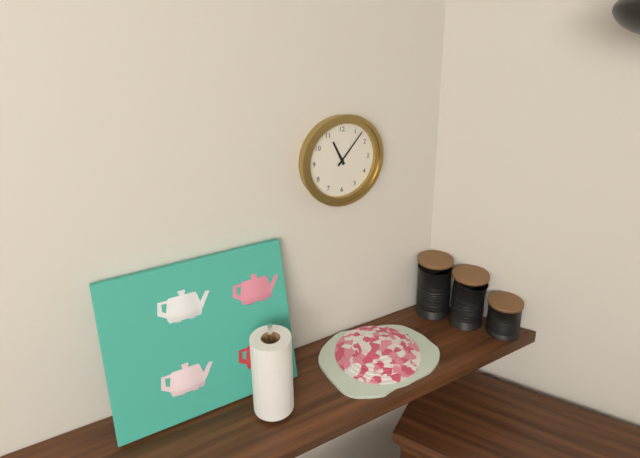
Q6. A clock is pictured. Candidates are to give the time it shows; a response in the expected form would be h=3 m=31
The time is h=11 m=7
